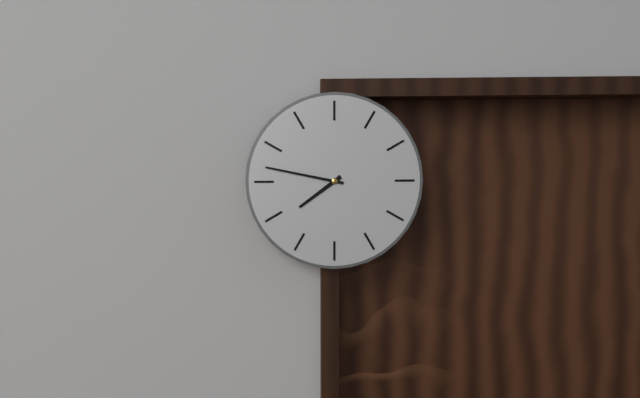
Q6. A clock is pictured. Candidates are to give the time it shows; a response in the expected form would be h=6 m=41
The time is h=7 m=47
